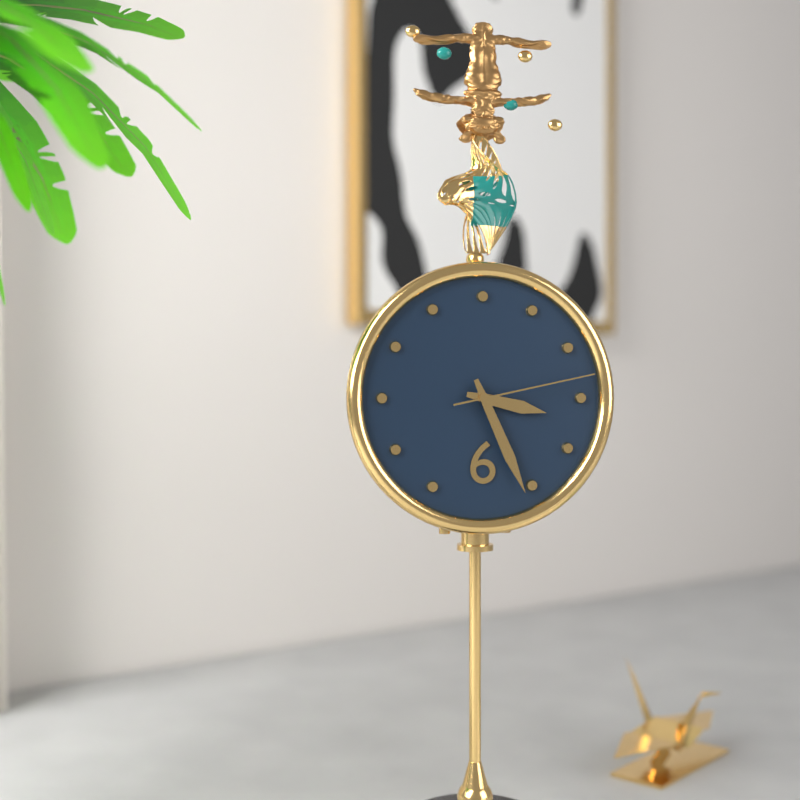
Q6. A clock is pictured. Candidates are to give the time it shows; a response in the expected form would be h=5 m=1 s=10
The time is h=3 m=26 s=13
